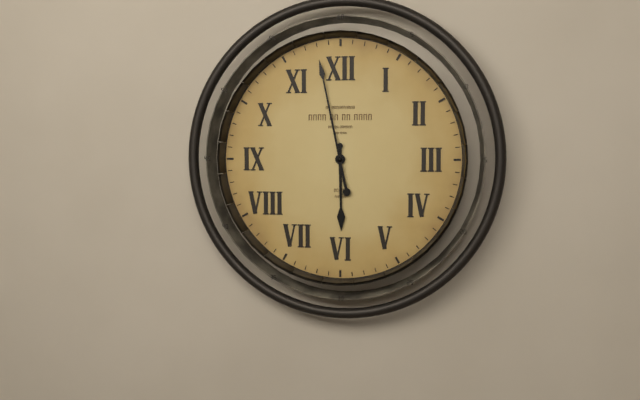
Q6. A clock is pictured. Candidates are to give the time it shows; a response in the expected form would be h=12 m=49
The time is h=5 m=58
